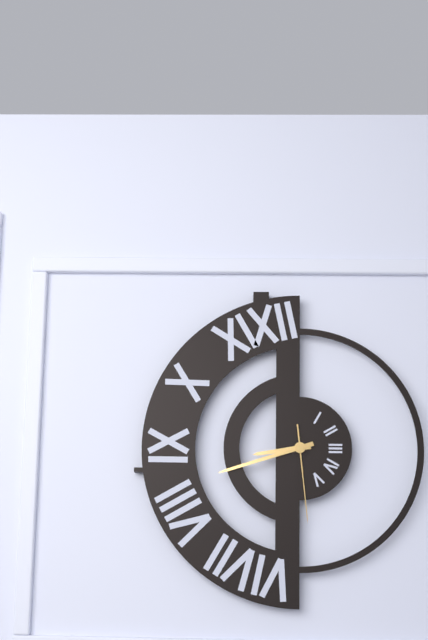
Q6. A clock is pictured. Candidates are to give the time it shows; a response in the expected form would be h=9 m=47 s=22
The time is h=8 m=42 s=29
